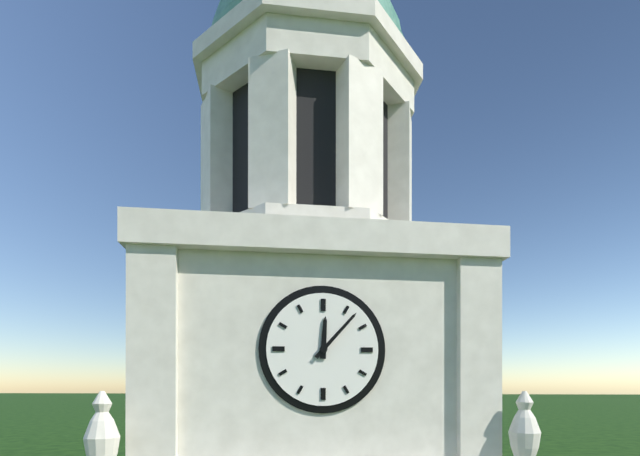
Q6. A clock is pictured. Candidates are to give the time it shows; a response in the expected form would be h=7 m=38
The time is h=12 m=7
